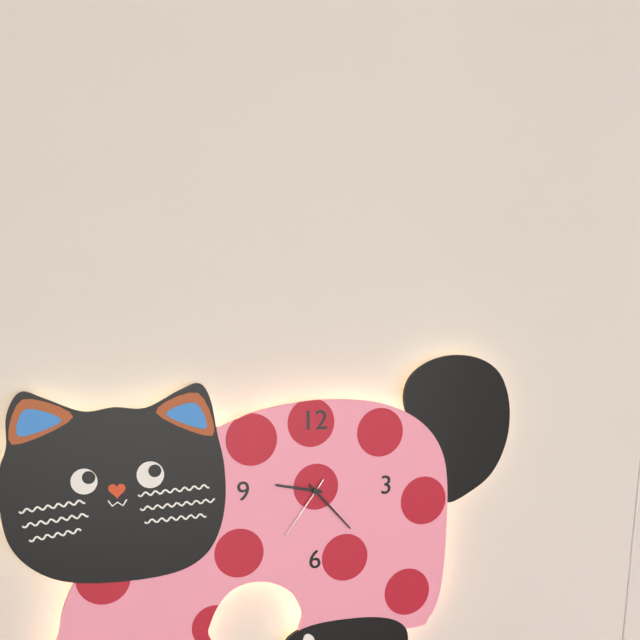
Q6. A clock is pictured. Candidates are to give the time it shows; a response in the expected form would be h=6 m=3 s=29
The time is h=9 m=23 s=36
